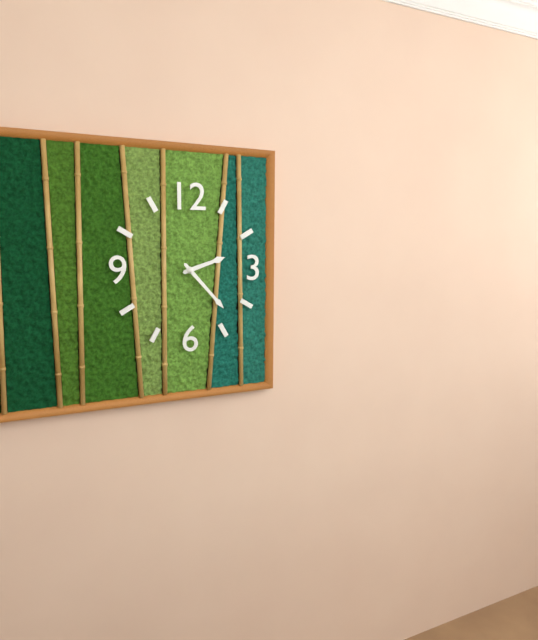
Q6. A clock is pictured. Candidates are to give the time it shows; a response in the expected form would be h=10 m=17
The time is h=2 m=23
